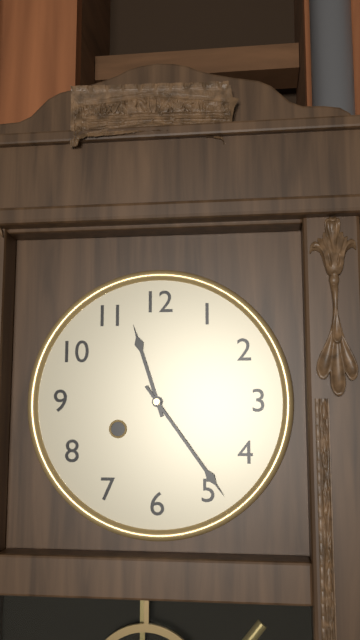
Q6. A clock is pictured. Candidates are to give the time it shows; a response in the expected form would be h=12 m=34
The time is h=11 m=24
